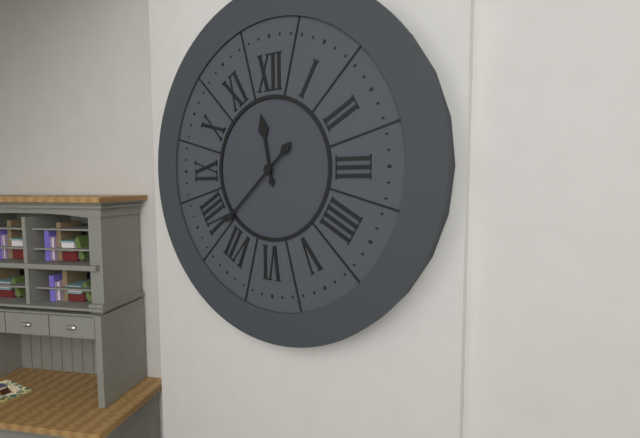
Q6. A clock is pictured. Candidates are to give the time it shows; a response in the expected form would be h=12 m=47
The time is h=11 m=38
